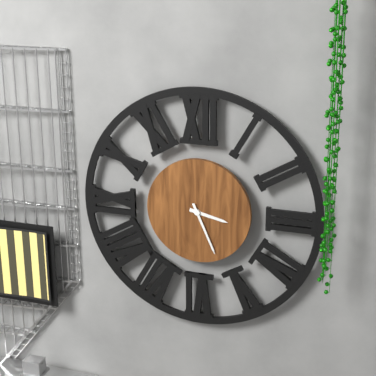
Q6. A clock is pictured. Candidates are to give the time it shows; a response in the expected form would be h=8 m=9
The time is h=3 m=26
